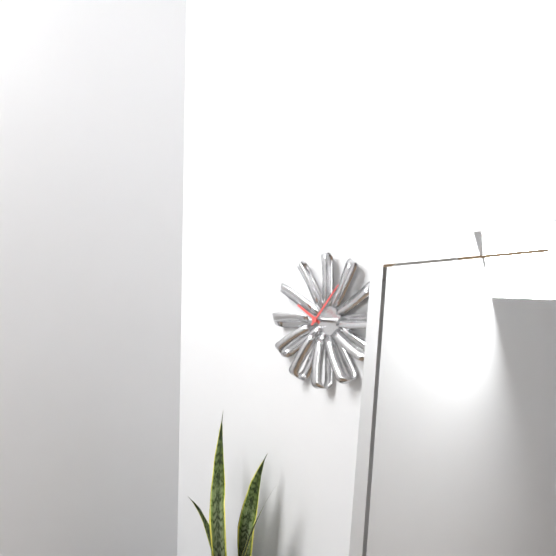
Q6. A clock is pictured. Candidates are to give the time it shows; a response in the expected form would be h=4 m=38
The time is h=10 m=7
